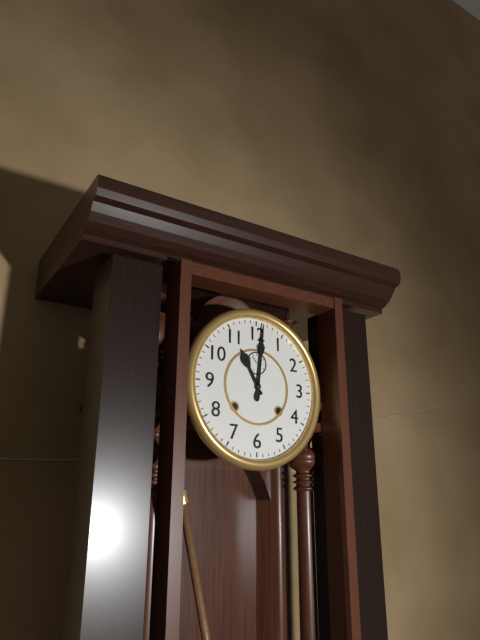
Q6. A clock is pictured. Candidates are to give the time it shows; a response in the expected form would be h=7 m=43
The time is h=11 m=1
